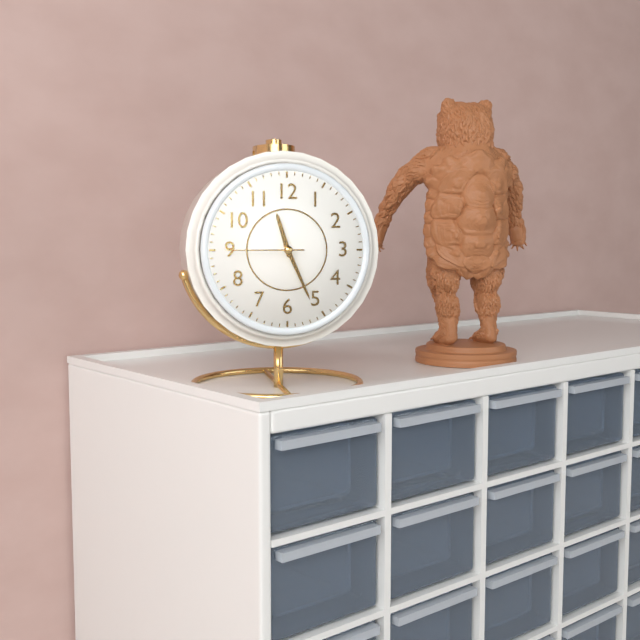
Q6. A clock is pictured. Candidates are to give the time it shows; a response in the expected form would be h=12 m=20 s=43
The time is h=11 m=26 s=45
